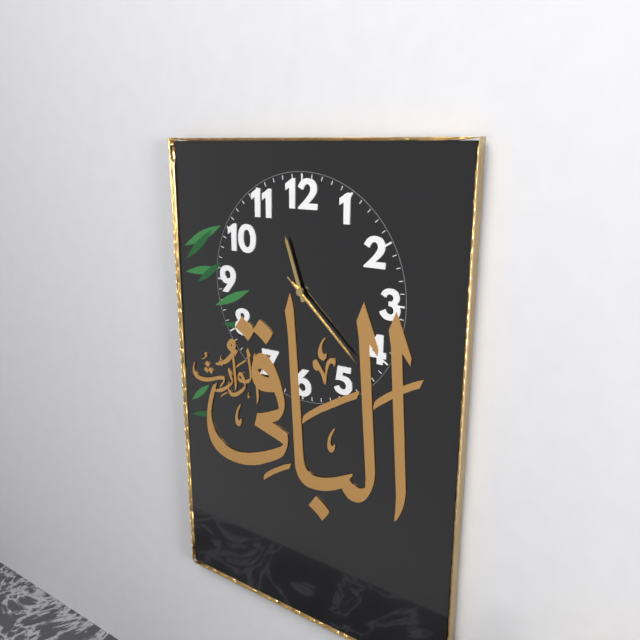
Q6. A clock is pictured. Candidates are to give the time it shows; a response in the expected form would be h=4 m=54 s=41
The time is h=11 m=22 s=22
